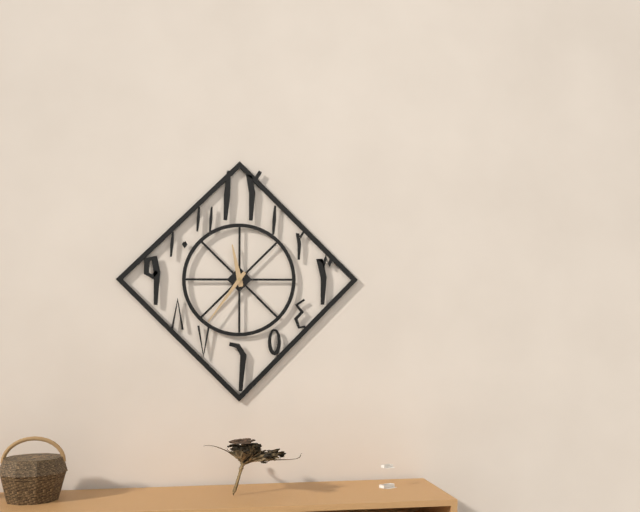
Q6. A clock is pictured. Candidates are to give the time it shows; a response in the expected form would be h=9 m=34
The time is h=11 m=36
